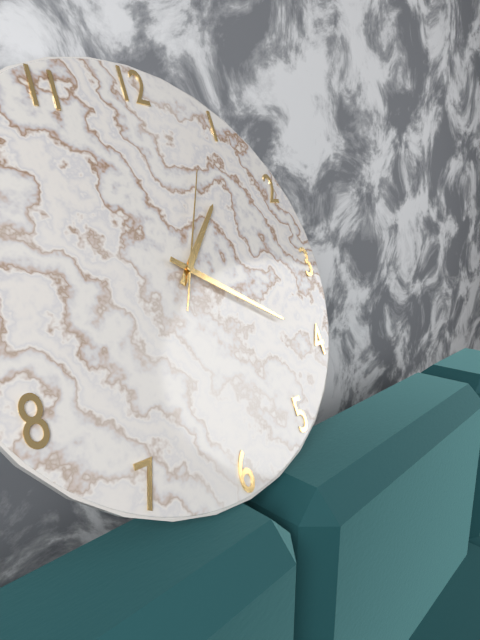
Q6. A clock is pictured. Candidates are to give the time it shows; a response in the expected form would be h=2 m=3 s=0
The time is h=1 m=20 s=4
